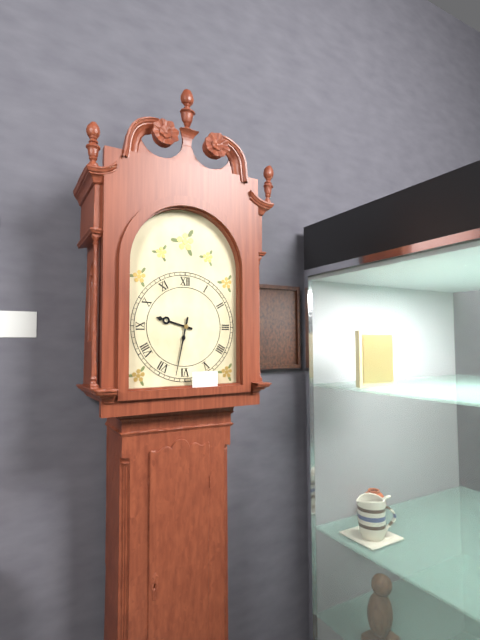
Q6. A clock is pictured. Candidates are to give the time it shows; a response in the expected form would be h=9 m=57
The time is h=9 m=32
